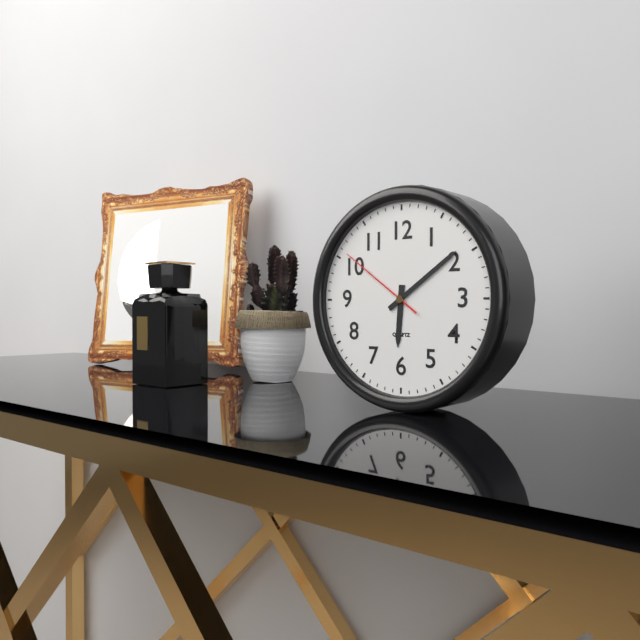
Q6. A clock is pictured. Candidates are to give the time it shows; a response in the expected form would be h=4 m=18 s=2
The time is h=6 m=9 s=51
